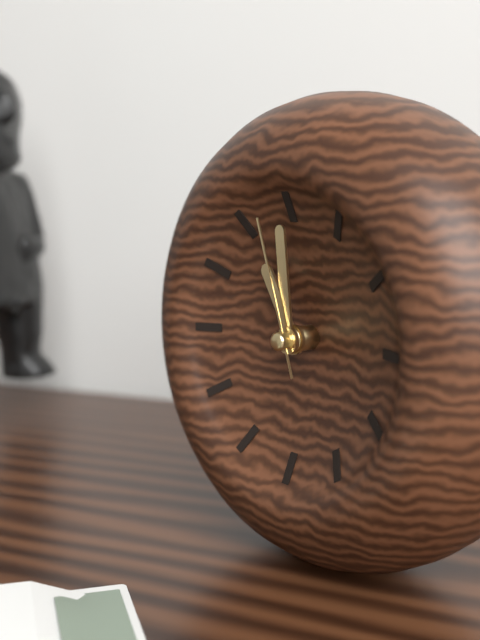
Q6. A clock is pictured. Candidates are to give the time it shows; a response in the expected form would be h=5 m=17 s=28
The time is h=10 m=59 s=57
